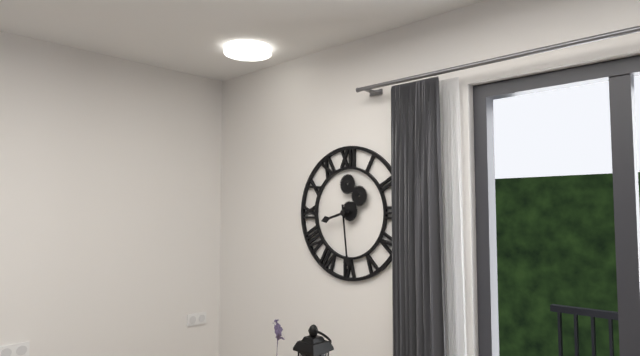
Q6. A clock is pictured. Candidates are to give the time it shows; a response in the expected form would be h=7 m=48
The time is h=8 m=29
